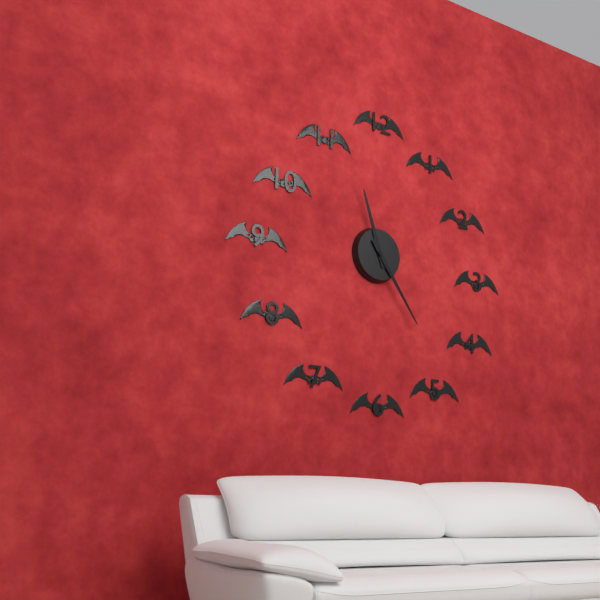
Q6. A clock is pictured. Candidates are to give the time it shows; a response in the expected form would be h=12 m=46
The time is h=11 m=24
